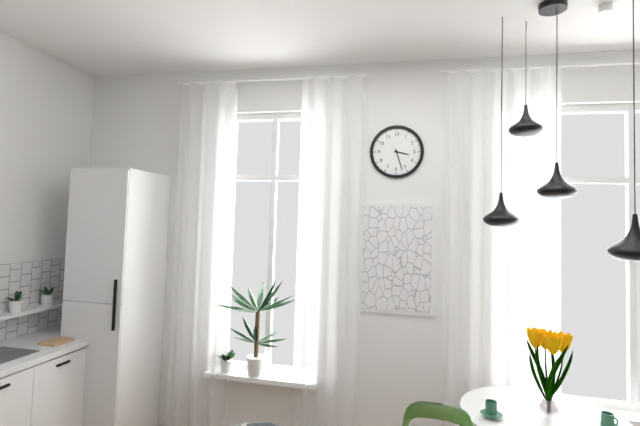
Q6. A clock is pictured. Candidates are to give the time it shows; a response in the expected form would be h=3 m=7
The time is h=3 m=27
